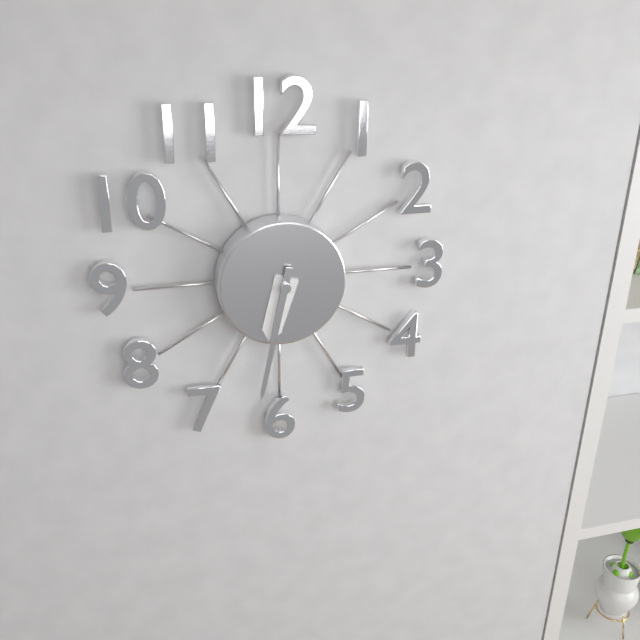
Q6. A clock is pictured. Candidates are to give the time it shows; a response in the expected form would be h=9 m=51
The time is h=6 m=32
